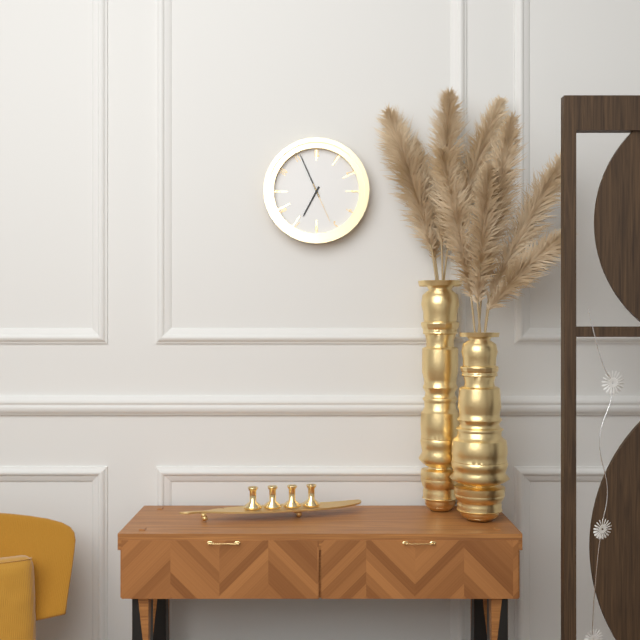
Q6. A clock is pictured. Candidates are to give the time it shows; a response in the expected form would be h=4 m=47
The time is h=6 m=56
